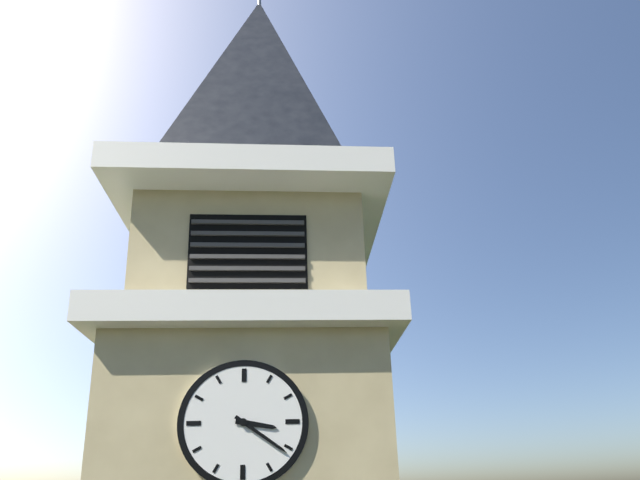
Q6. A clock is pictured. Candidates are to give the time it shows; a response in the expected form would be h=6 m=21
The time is h=3 m=21
